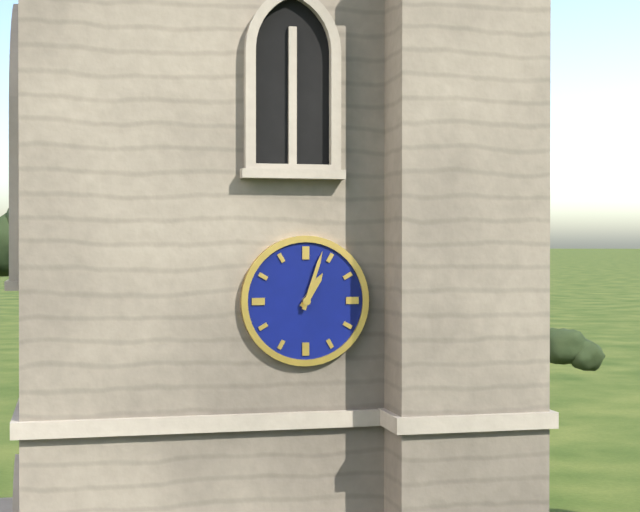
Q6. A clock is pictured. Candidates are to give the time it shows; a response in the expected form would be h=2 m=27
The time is h=1 m=3
